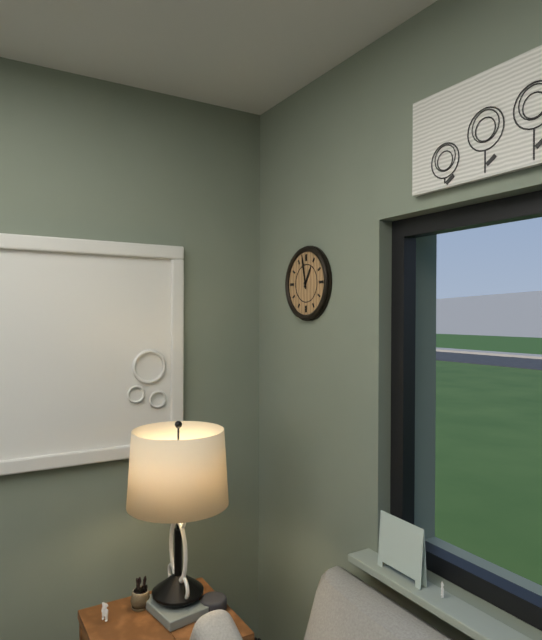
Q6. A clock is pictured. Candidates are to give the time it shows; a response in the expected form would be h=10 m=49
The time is h=12 m=58
